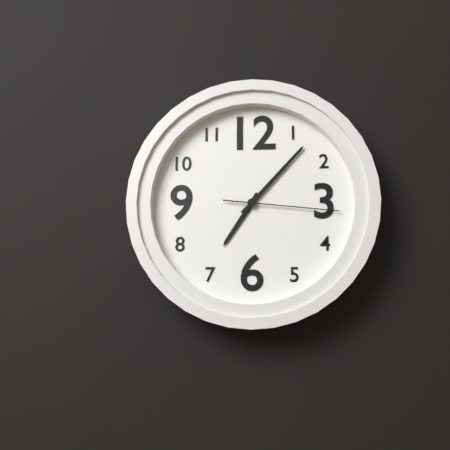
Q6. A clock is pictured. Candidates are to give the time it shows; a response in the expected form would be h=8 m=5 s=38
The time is h=7 m=7 s=16
